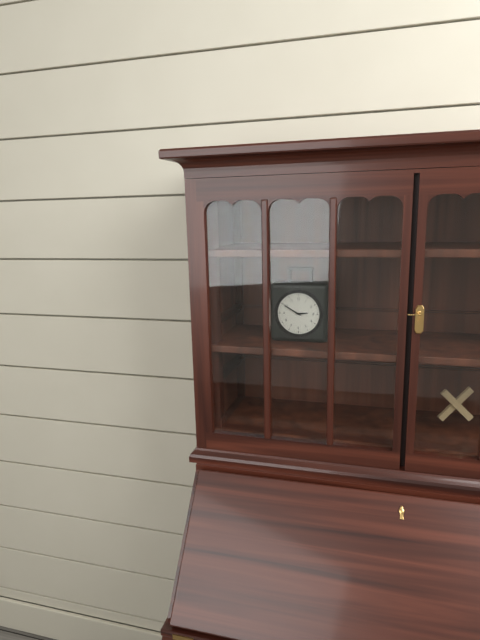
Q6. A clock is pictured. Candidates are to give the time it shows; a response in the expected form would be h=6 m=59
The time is h=2 m=50
